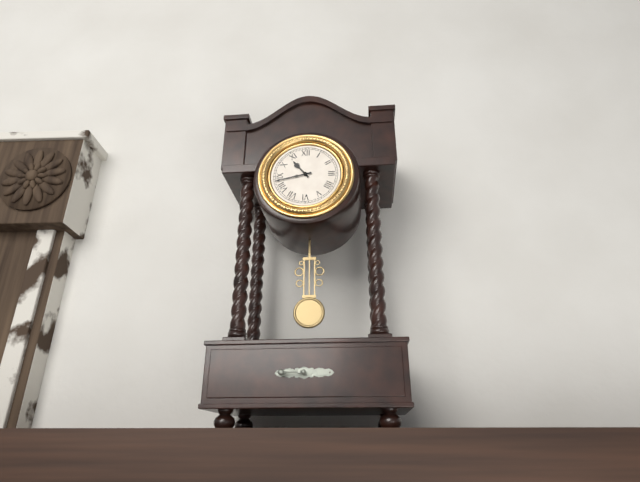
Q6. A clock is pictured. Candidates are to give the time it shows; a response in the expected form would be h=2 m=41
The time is h=10 m=43
